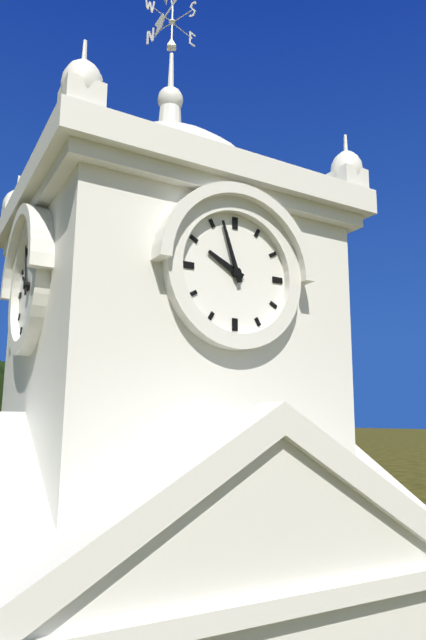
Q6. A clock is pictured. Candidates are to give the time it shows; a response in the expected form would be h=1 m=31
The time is h=9 m=57
